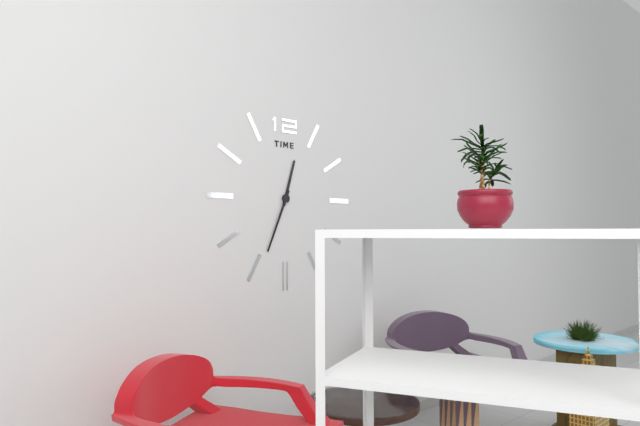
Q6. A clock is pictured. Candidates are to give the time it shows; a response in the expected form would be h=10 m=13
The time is h=12 m=34
